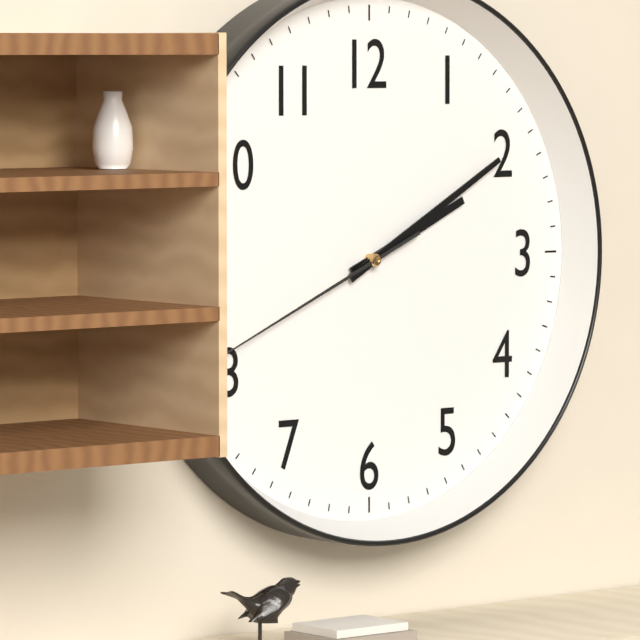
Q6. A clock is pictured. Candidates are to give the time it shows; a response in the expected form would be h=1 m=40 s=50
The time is h=2 m=10 s=41
